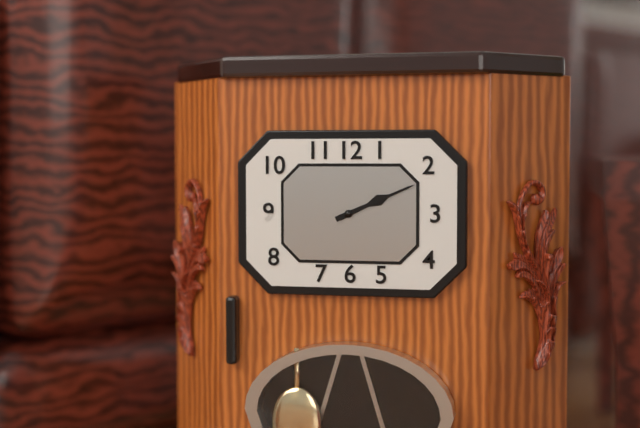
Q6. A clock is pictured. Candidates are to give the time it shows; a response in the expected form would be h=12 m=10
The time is h=2 m=11
